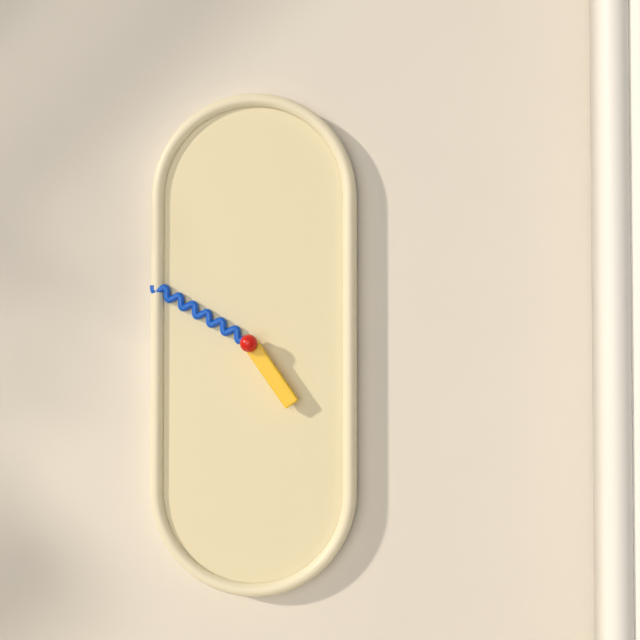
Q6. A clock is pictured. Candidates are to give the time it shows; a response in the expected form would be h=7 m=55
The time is h=4 m=50
